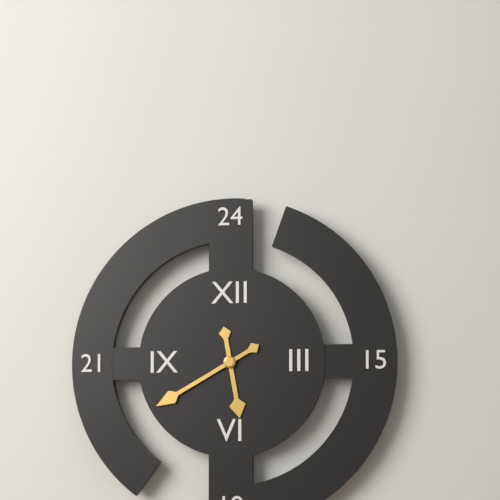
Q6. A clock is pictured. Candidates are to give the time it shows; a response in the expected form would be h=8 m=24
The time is h=5 m=40
